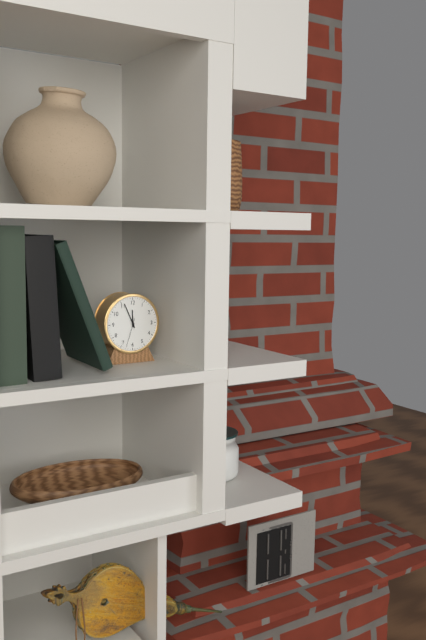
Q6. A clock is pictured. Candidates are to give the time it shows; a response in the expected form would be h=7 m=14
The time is h=11 m=56
